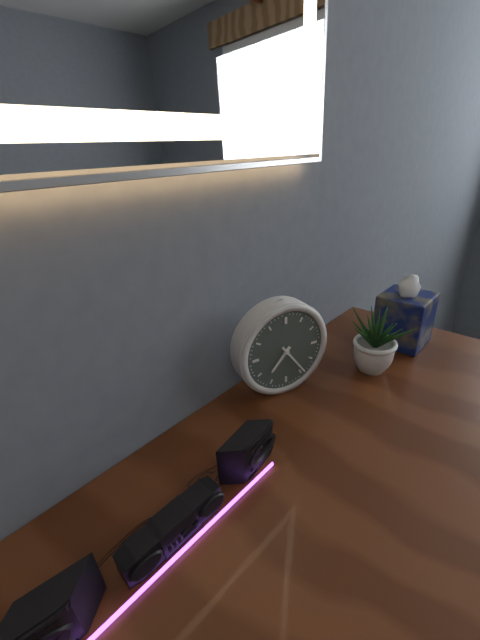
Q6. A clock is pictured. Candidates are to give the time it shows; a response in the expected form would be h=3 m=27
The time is h=7 m=24
